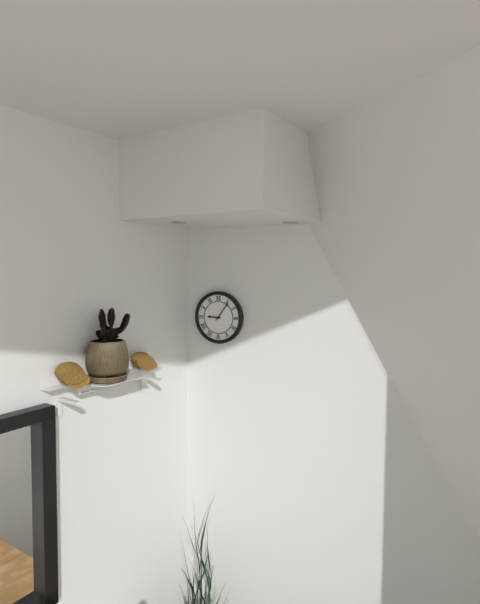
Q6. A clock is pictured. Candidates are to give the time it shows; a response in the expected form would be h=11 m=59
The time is h=9 m=6
